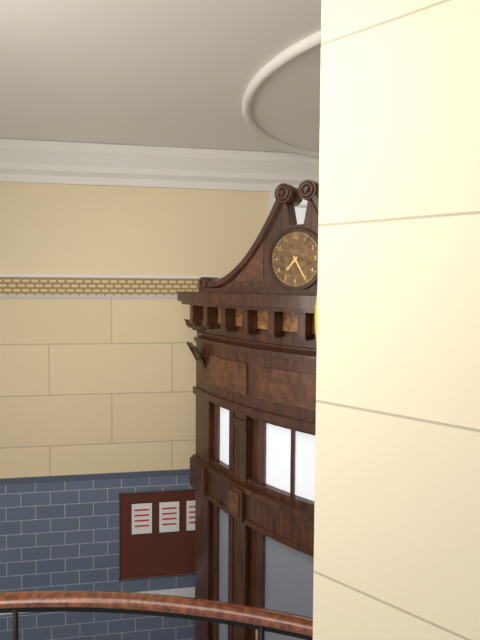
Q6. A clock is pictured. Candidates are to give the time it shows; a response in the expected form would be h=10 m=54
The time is h=7 m=25
